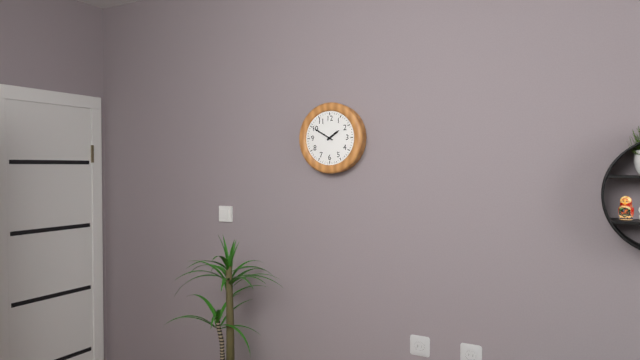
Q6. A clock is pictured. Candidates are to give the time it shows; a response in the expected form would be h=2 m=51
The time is h=1 m=50
